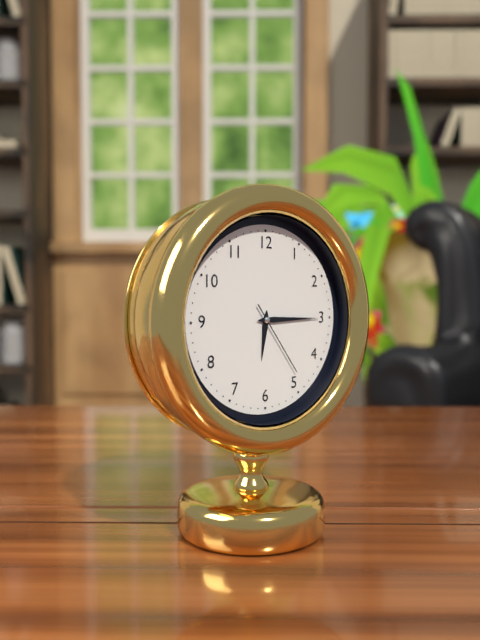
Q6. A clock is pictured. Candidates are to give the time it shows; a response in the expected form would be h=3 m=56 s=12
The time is h=6 m=15 s=24
